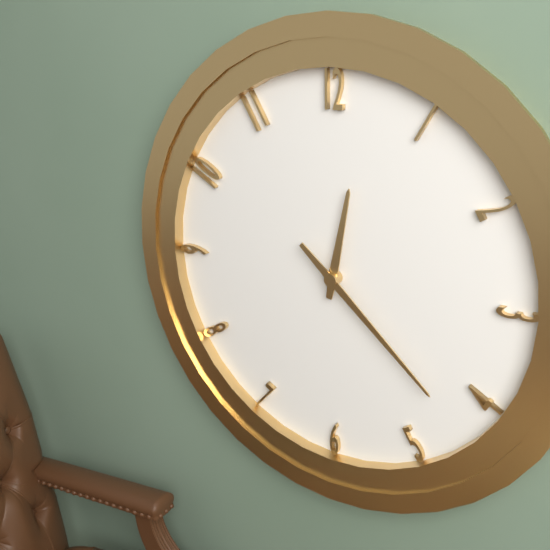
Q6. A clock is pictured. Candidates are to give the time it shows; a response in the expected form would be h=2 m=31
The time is h=12 m=22
